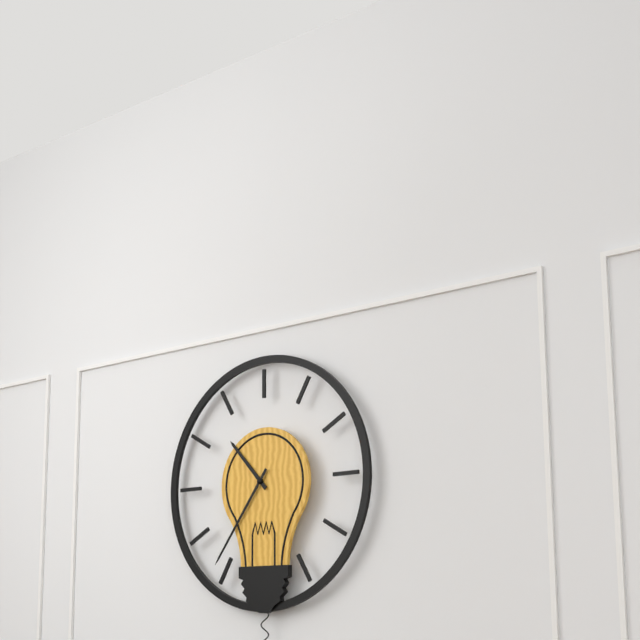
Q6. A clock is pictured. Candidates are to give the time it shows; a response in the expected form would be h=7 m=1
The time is h=10 m=36
